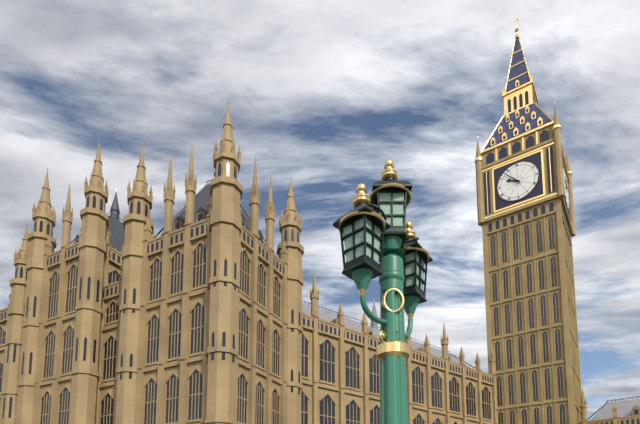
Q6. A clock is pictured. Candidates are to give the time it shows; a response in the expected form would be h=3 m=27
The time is h=9 m=53
